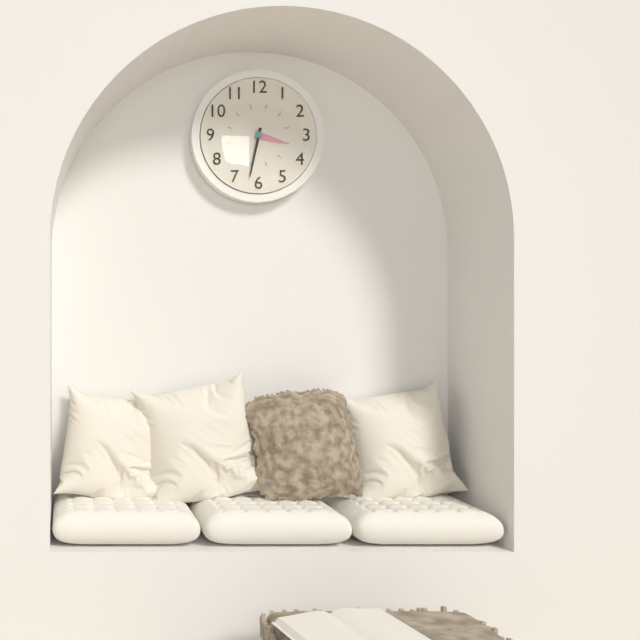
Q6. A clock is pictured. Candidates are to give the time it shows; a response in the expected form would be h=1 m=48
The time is h=3 m=32
